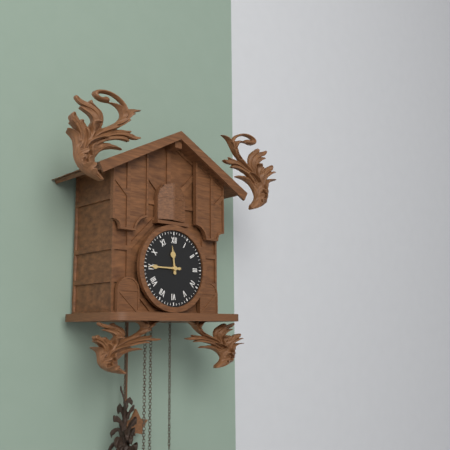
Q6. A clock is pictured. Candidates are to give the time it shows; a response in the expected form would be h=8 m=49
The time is h=11 m=45
